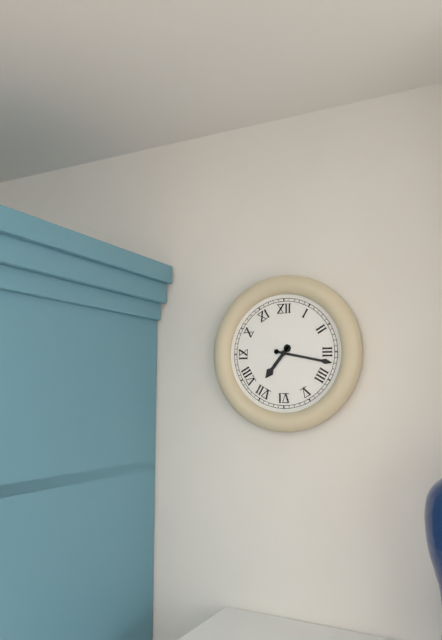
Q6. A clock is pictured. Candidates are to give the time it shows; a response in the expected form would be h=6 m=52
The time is h=7 m=17
